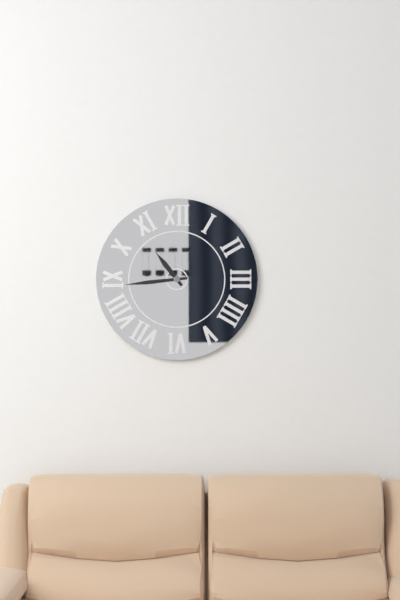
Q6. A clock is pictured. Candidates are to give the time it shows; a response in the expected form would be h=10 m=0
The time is h=10 m=44
